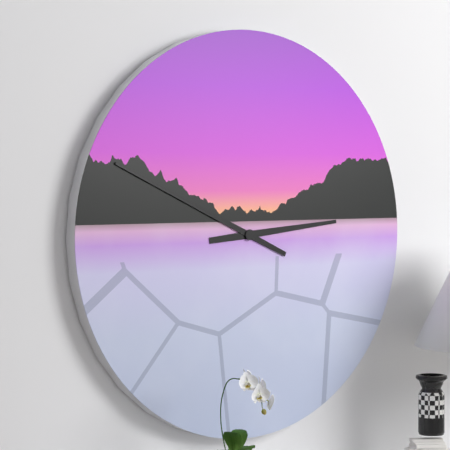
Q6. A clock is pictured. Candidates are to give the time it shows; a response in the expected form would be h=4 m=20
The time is h=2 m=49
